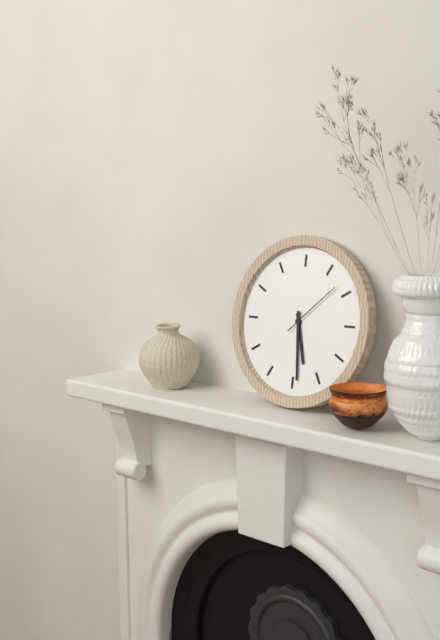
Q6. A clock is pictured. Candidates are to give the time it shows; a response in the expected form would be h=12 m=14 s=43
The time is h=5 m=29 s=8
